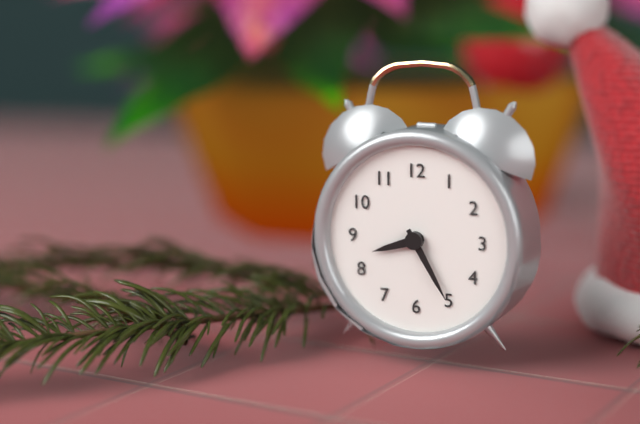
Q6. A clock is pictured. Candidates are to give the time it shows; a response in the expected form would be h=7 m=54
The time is h=8 m=25
